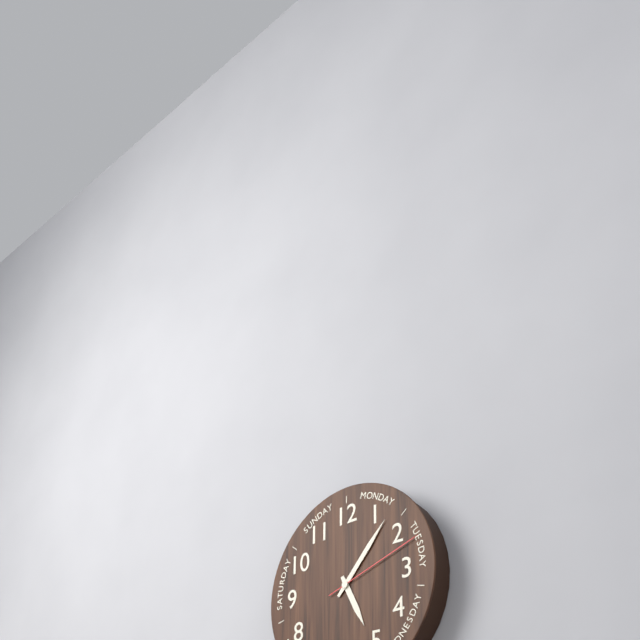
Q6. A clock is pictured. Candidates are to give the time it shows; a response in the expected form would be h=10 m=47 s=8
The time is h=5 m=7 s=12
